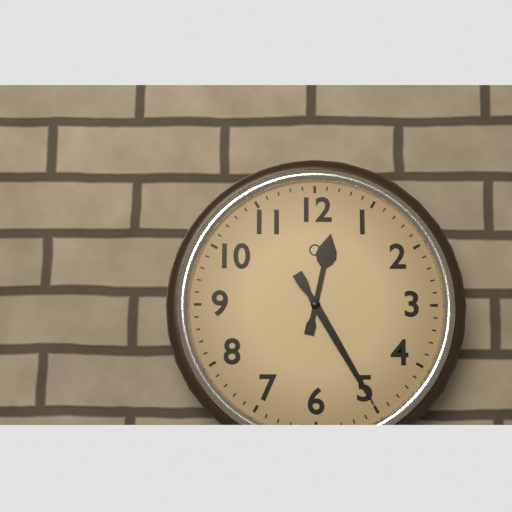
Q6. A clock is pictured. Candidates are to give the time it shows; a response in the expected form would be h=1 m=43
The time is h=12 m=25
